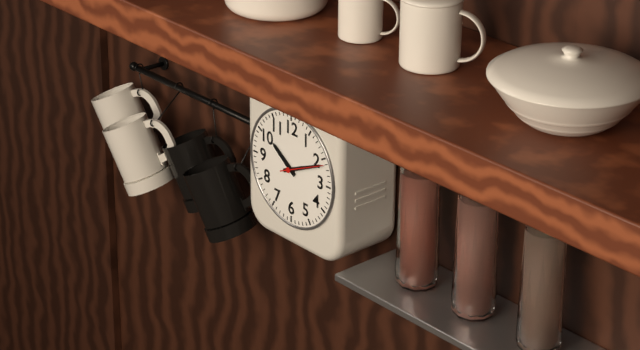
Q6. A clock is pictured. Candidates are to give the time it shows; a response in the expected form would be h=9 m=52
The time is h=10 m=11
